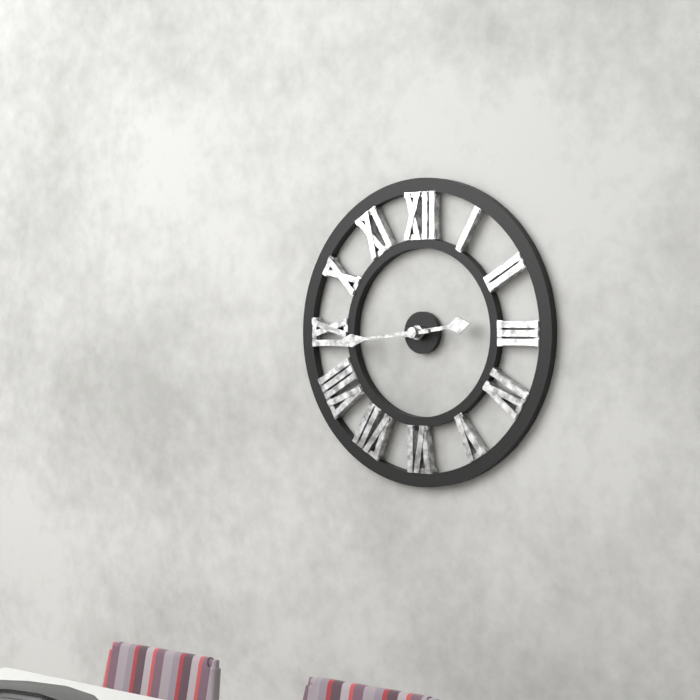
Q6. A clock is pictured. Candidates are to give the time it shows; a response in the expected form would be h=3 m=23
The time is h=2 m=44
